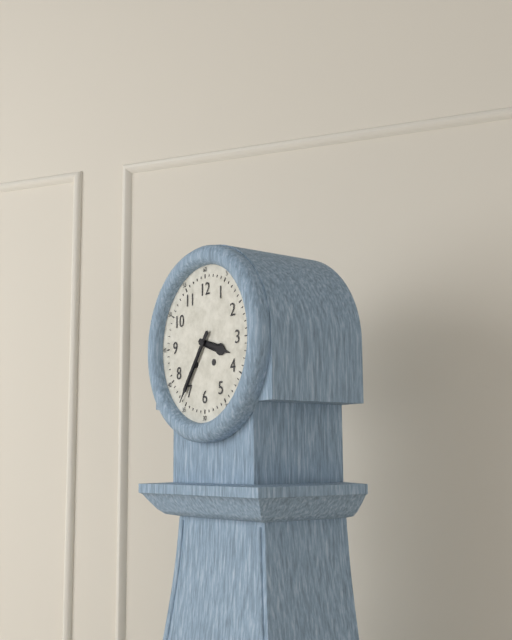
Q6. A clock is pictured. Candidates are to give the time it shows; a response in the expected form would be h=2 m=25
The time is h=3 m=36
